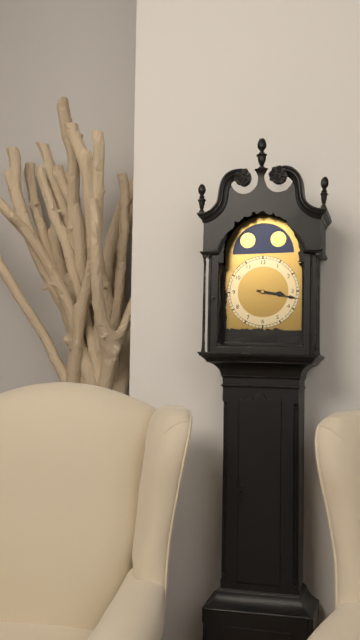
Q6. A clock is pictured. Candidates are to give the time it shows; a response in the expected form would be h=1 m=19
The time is h=3 m=17
